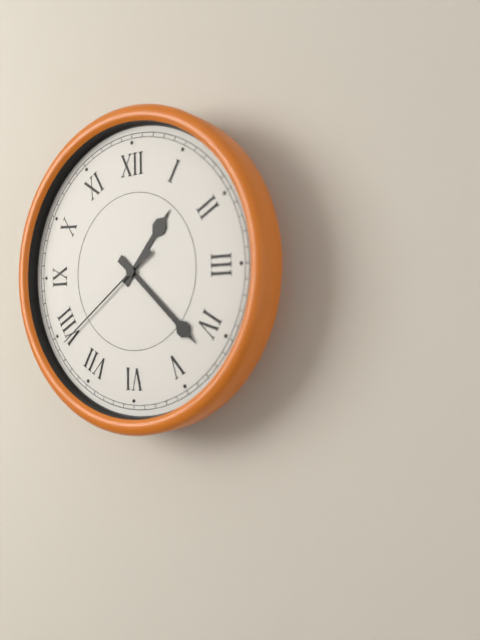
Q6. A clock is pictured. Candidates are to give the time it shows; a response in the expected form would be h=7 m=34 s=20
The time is h=1 m=22 s=39
